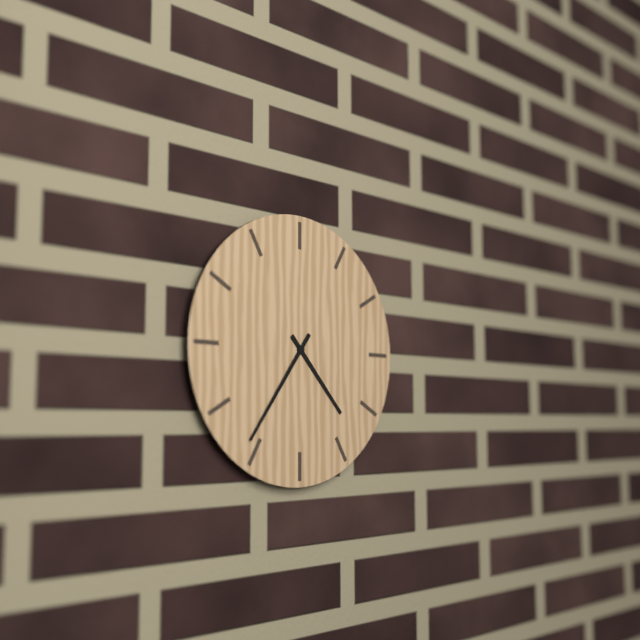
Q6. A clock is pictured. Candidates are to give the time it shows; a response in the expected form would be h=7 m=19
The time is h=4 m=36
